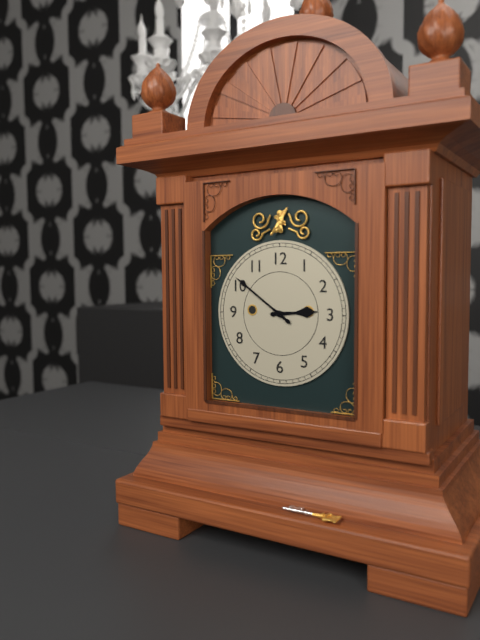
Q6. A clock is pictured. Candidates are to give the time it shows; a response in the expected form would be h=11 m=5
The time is h=2 m=51
